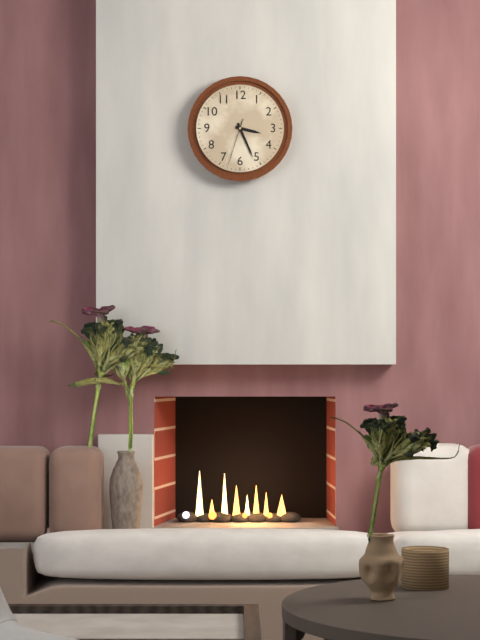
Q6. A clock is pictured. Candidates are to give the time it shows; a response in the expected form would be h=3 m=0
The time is h=3 m=26
